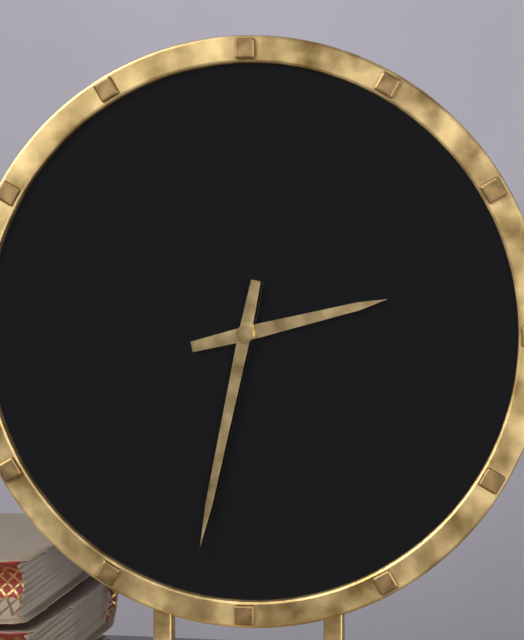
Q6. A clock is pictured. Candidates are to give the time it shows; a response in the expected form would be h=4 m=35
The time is h=2 m=32
